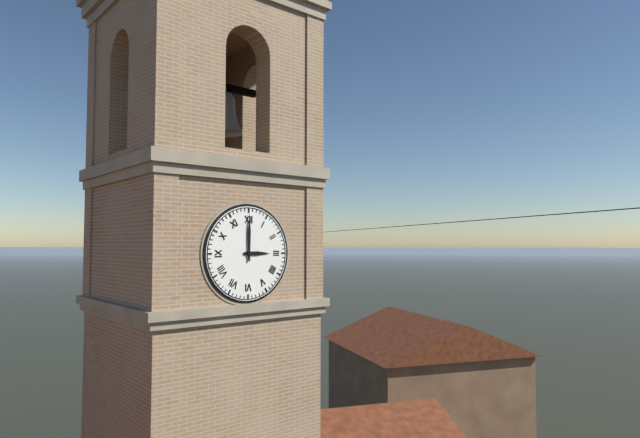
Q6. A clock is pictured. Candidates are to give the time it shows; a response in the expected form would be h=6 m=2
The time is h=3 m=0
